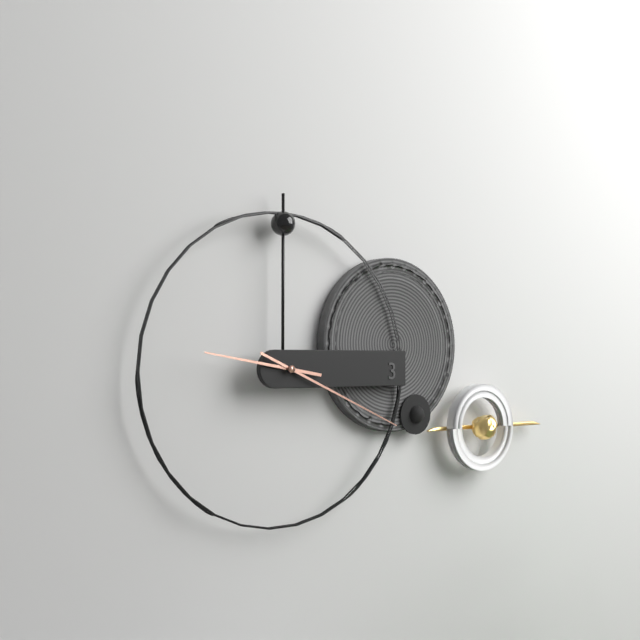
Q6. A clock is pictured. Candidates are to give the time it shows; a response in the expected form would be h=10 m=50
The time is h=9 m=19
